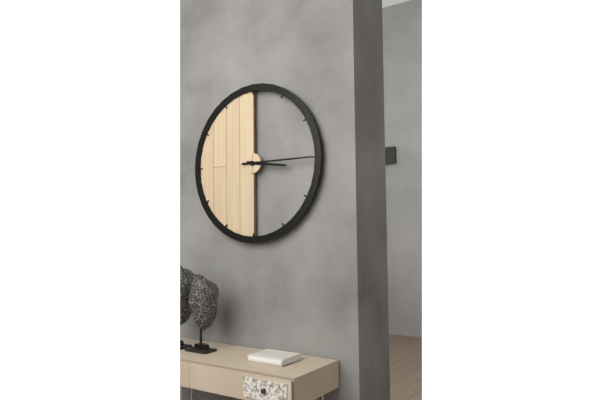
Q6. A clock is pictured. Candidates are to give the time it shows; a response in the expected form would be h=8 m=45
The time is h=3 m=15
